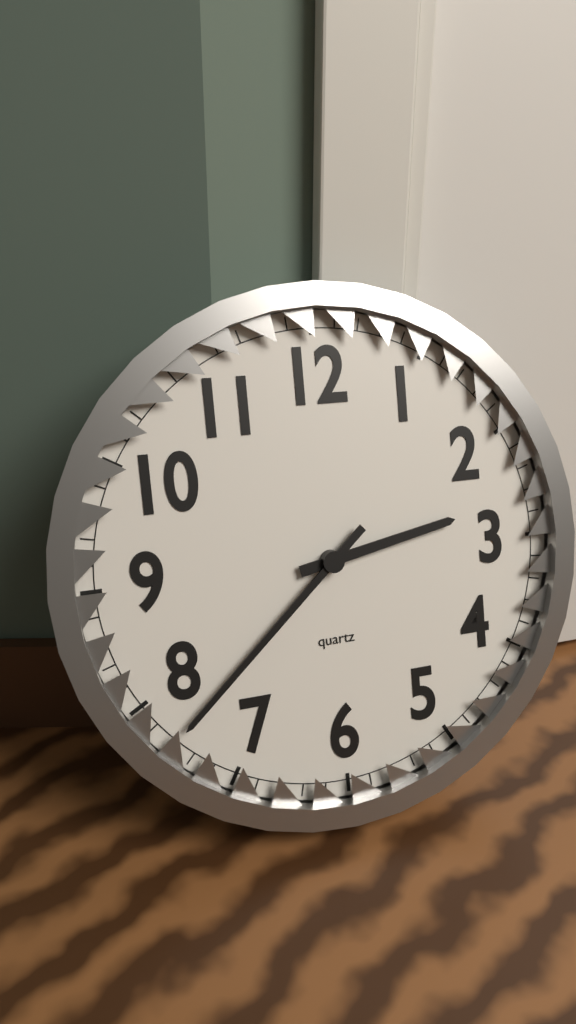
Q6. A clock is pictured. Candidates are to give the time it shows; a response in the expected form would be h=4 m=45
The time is h=2 m=38
